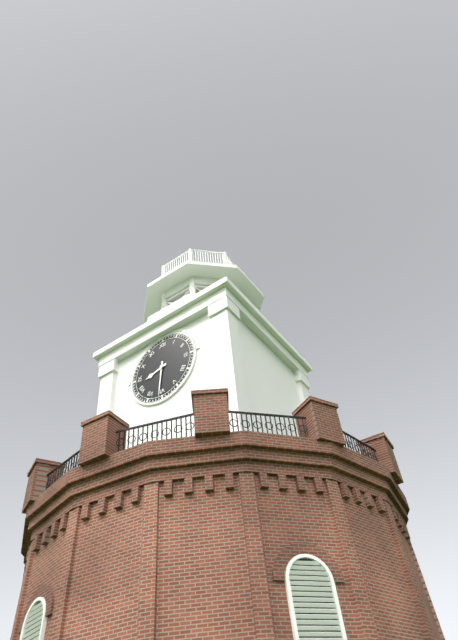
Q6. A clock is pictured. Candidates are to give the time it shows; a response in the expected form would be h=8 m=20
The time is h=8 m=31
